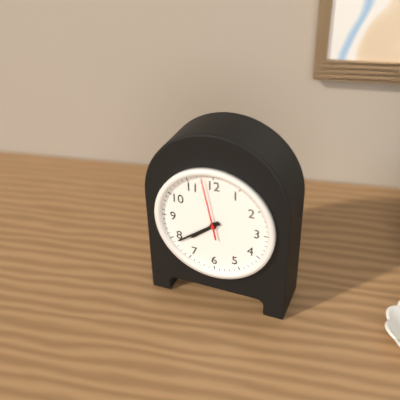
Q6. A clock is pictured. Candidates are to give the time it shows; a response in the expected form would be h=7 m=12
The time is h=7 m=39
